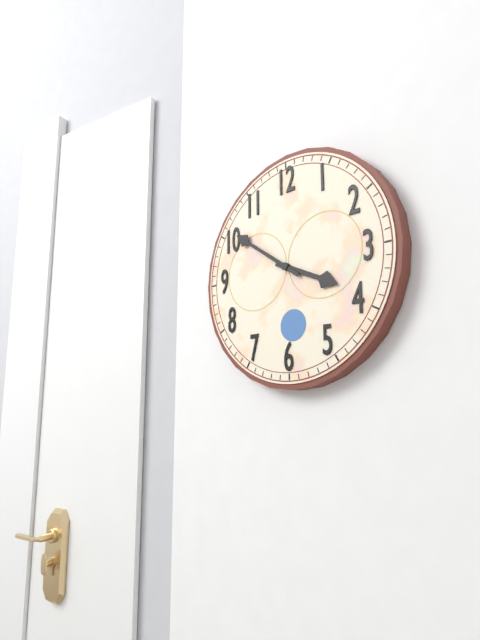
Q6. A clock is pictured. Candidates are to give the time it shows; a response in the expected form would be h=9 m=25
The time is h=3 m=51
